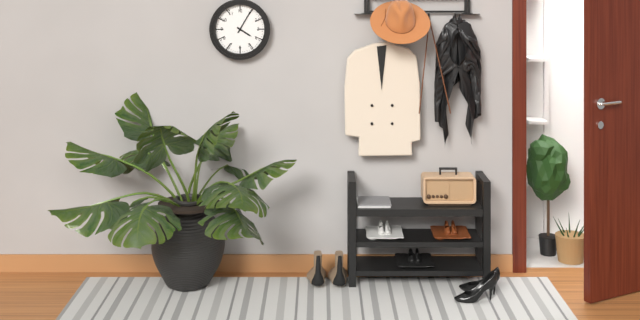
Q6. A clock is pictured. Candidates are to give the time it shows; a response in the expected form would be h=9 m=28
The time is h=4 m=5
